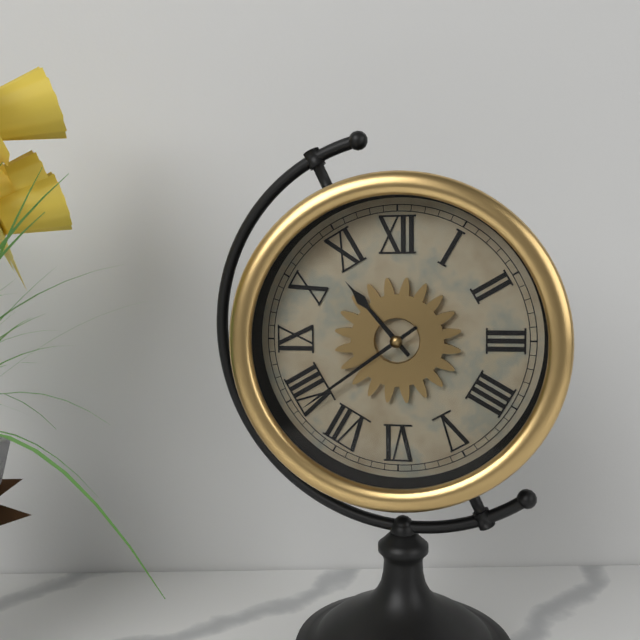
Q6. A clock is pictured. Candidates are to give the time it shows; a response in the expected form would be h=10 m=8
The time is h=10 m=39
